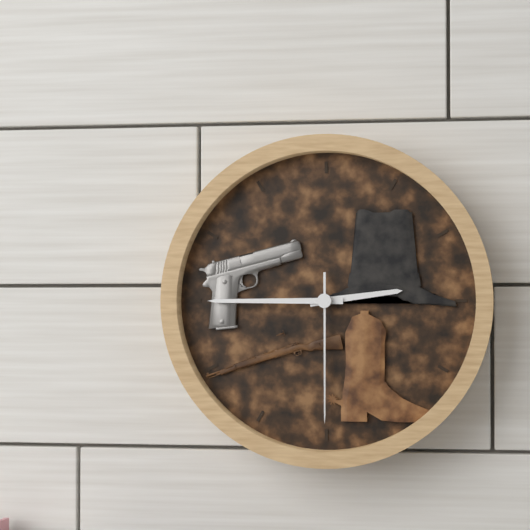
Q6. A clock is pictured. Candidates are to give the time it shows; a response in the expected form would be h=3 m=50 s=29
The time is h=2 m=45 s=30
